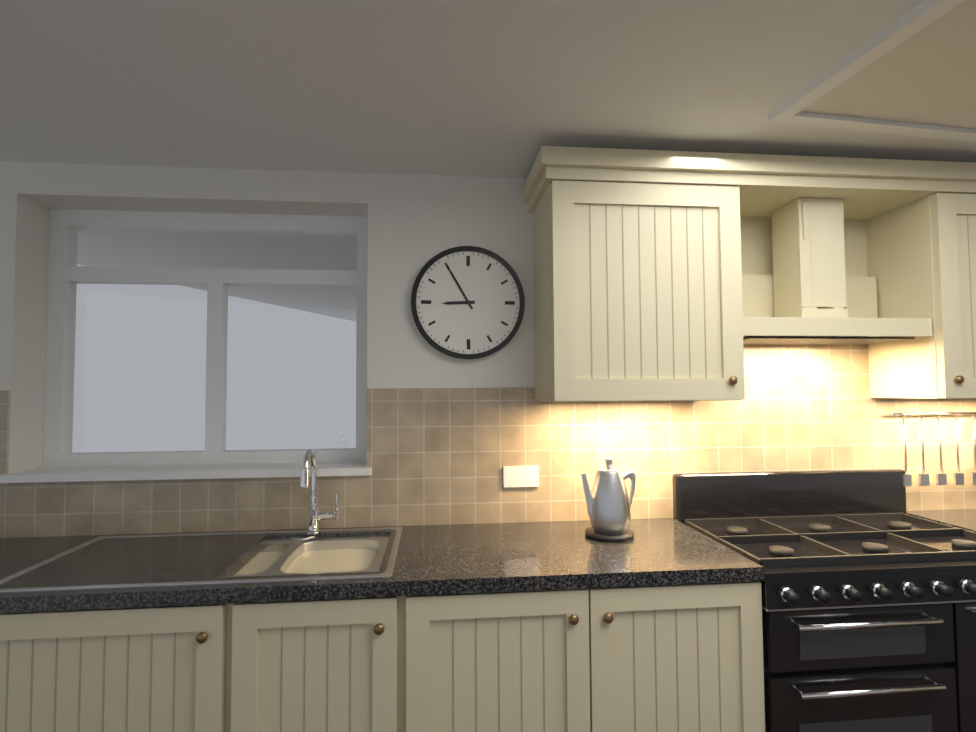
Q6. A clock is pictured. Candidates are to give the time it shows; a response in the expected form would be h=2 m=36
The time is h=8 m=55
